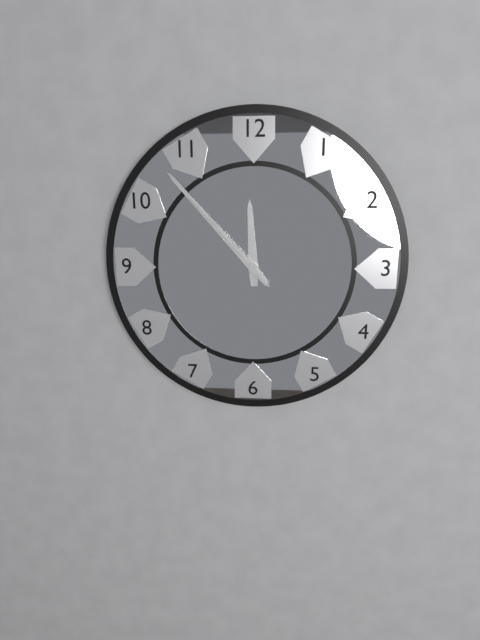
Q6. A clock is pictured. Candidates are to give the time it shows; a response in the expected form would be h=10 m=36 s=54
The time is h=11 m=53 s=53
